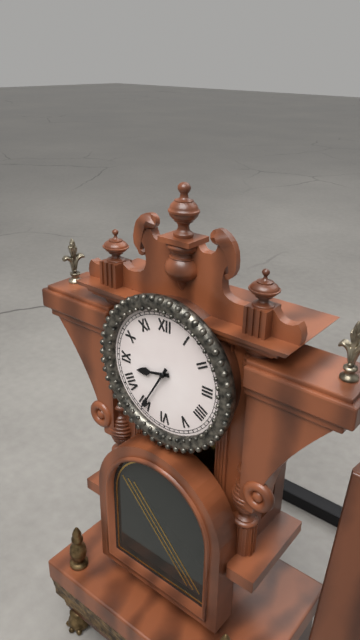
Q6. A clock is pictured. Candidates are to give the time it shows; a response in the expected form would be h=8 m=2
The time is h=8 m=35
